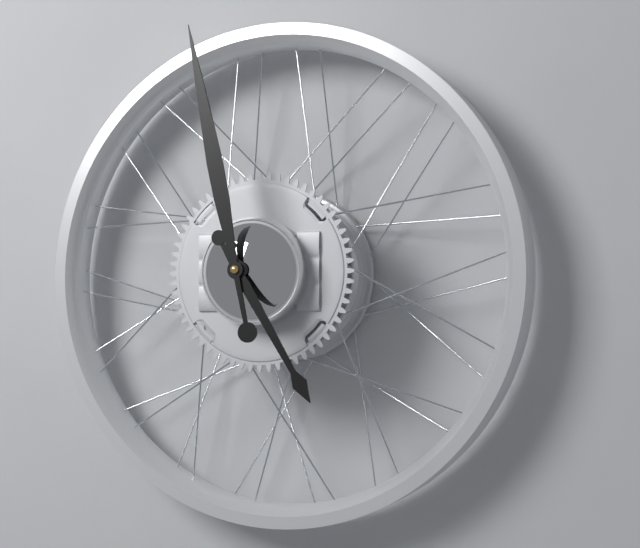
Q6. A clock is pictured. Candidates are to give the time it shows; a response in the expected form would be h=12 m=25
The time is h=4 m=58
